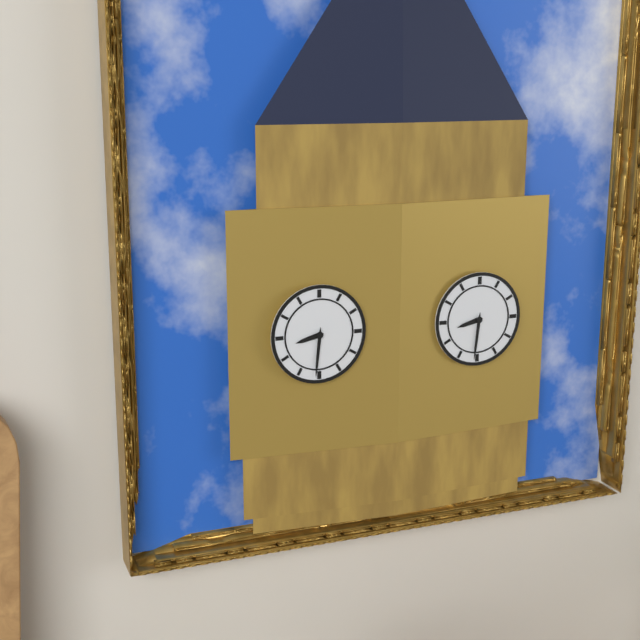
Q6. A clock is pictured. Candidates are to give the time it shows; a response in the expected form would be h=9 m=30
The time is h=8 m=31
